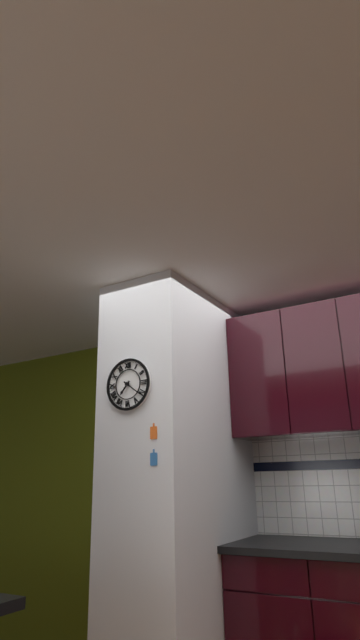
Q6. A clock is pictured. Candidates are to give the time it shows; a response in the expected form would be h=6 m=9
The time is h=7 m=21
